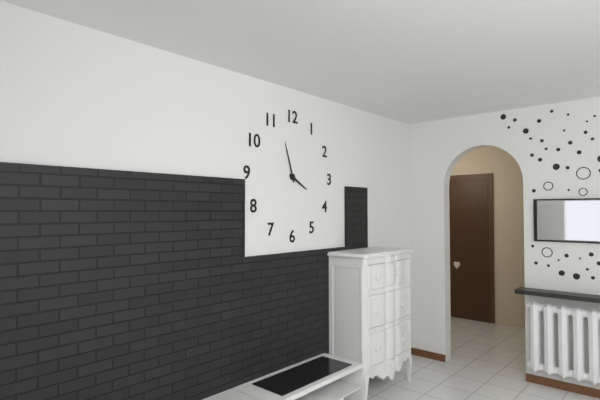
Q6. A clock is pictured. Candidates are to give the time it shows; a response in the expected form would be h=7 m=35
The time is h=3 m=57
